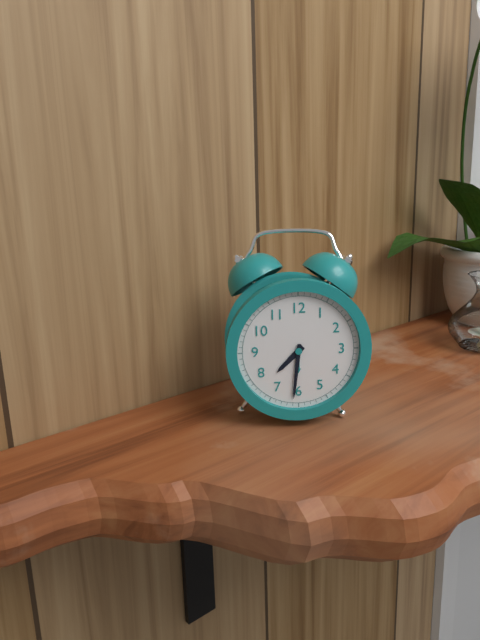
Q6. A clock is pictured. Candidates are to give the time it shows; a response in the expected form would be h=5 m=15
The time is h=7 m=31
